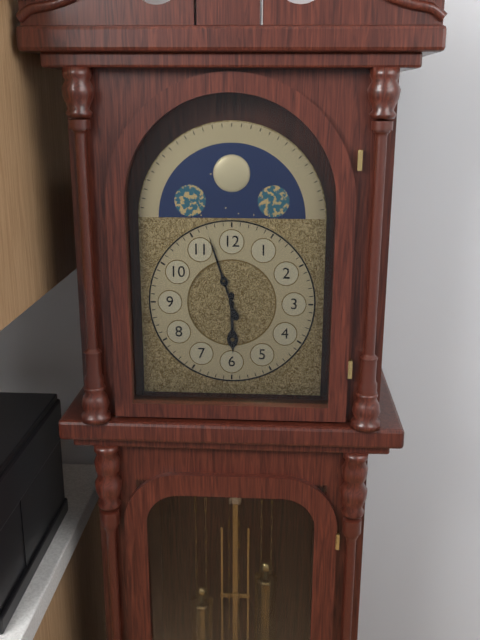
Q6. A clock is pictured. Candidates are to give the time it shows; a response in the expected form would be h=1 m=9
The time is h=5 m=57
